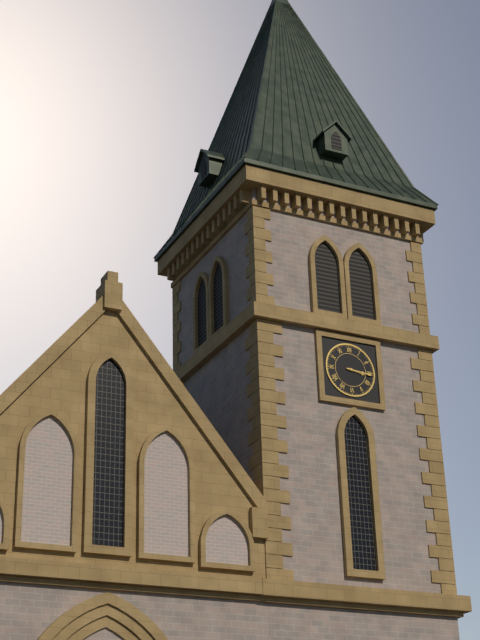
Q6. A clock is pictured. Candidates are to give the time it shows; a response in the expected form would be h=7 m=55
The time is h=3 m=16
